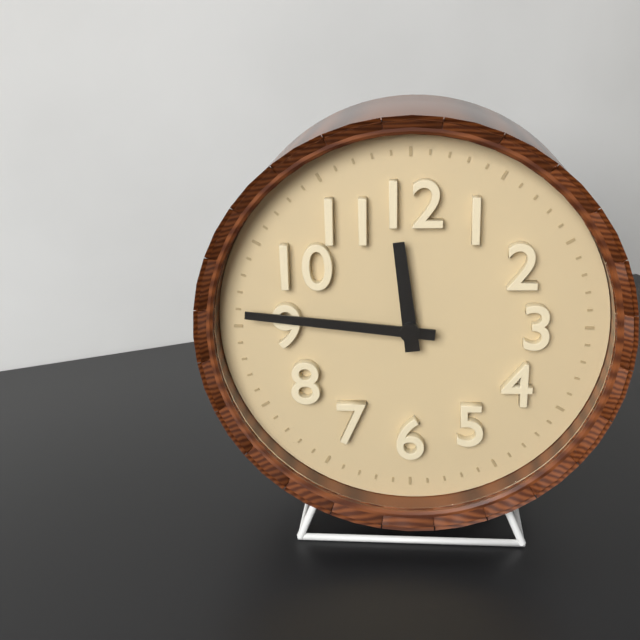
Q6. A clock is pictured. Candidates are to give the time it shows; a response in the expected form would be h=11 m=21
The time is h=11 m=46
